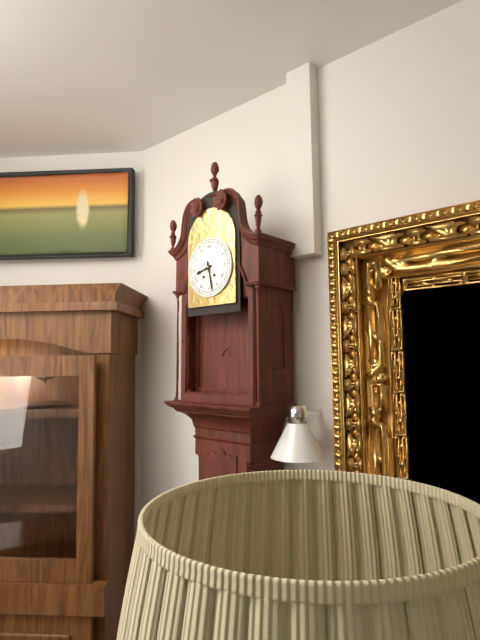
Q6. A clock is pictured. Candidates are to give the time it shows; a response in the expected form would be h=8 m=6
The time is h=8 m=28
